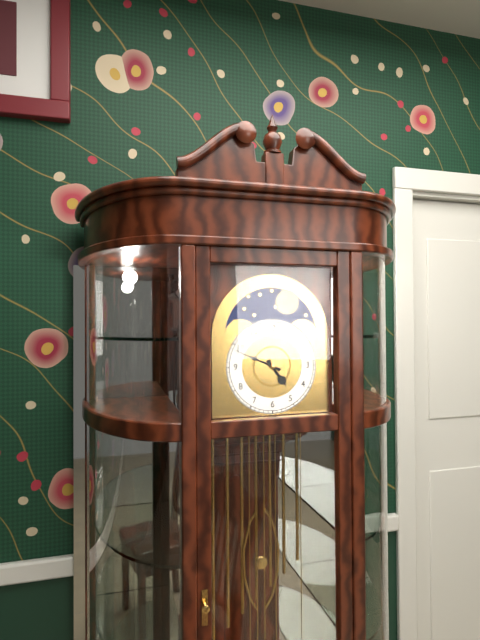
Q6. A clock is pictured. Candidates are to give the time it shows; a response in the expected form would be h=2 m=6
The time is h=4 m=49
